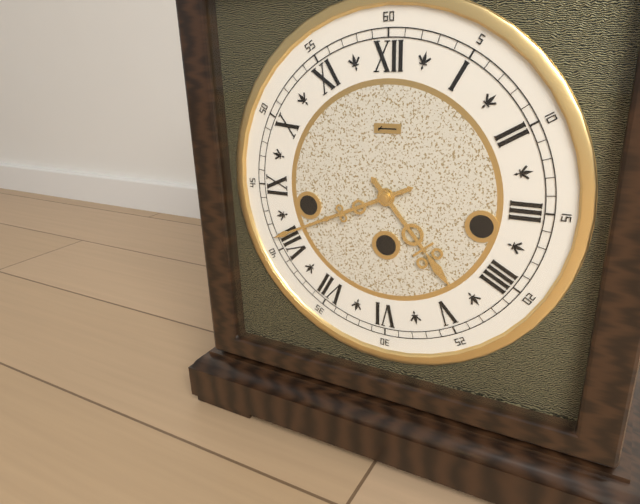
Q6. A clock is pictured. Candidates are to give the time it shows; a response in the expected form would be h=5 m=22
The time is h=4 m=41
